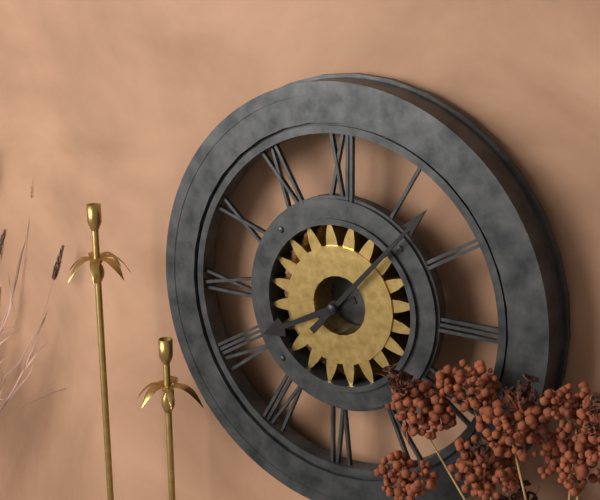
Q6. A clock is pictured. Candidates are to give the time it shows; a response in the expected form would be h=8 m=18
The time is h=8 m=7
